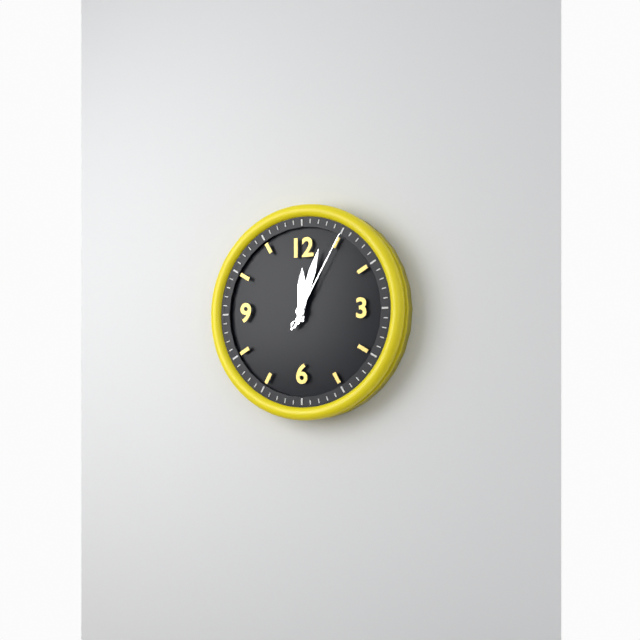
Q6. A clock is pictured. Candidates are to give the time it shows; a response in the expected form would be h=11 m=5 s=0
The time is h=12 m=3 s=5
